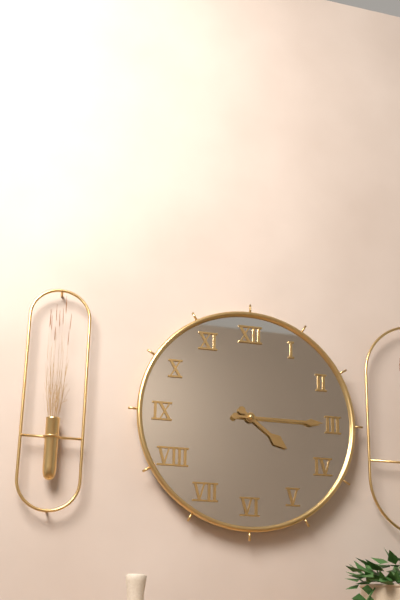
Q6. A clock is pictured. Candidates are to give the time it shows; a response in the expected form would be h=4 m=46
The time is h=4 m=15
